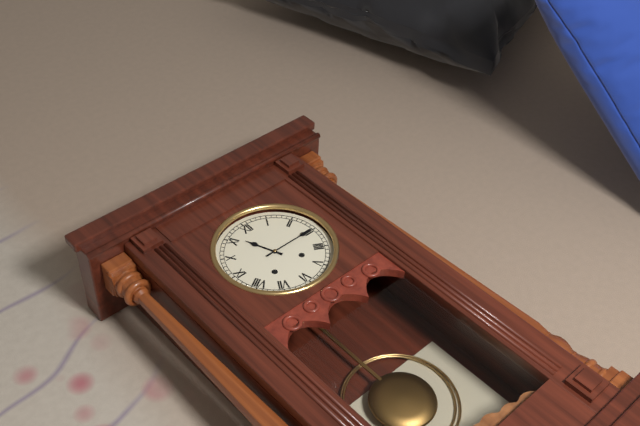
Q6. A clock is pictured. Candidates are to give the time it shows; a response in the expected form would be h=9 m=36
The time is h=11 m=15
